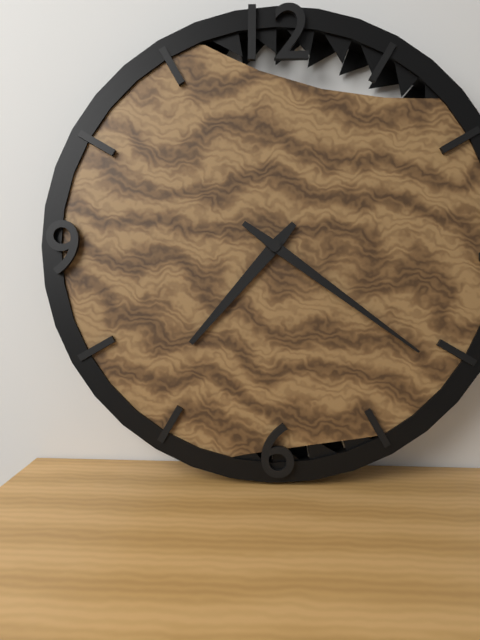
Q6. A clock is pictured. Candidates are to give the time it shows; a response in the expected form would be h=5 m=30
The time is h=7 m=21
